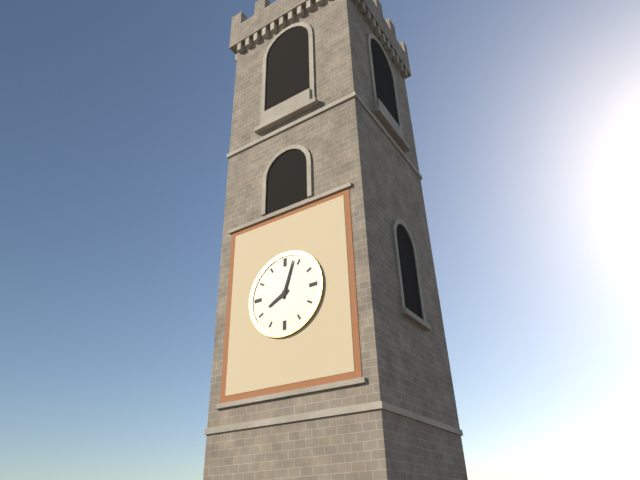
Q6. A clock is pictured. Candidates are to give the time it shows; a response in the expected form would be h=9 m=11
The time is h=8 m=3
